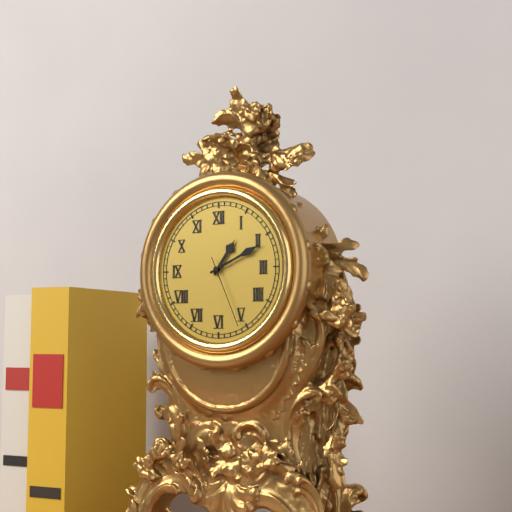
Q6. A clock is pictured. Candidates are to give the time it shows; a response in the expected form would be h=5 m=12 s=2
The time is h=1 m=11 s=26
